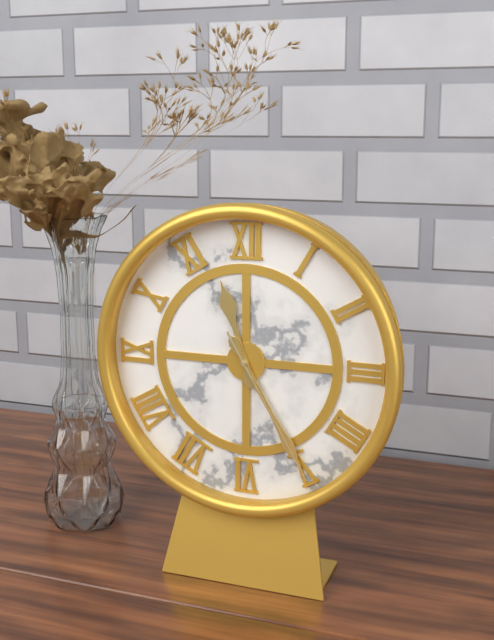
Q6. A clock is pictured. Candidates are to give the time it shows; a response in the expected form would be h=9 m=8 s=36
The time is h=11 m=25 s=25
